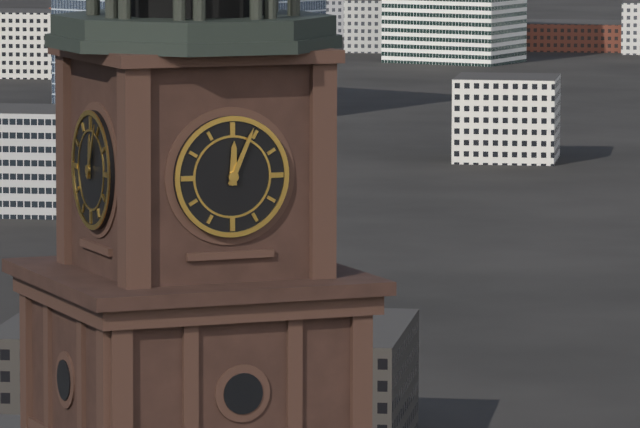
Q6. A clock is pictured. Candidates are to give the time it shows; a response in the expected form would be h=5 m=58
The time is h=12 m=4
